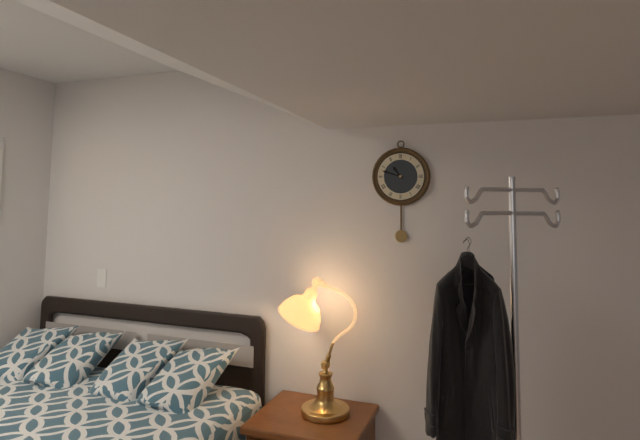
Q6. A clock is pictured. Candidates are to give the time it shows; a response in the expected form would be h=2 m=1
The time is h=10 m=48
